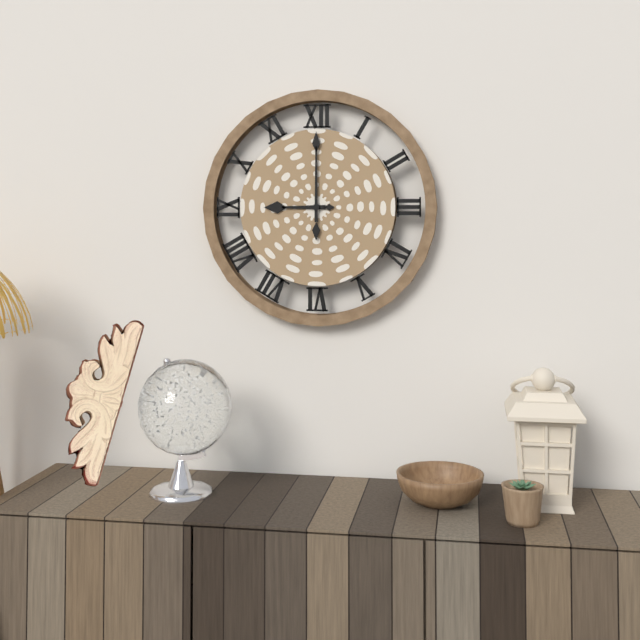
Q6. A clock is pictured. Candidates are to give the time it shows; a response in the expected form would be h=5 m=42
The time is h=9 m=0
